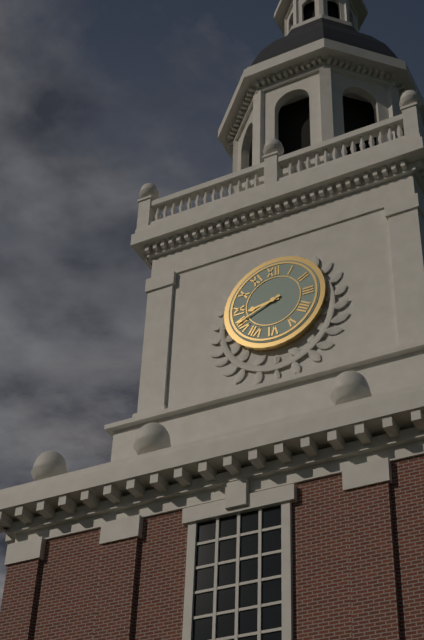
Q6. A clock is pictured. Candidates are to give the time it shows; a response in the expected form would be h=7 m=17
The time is h=8 m=41
